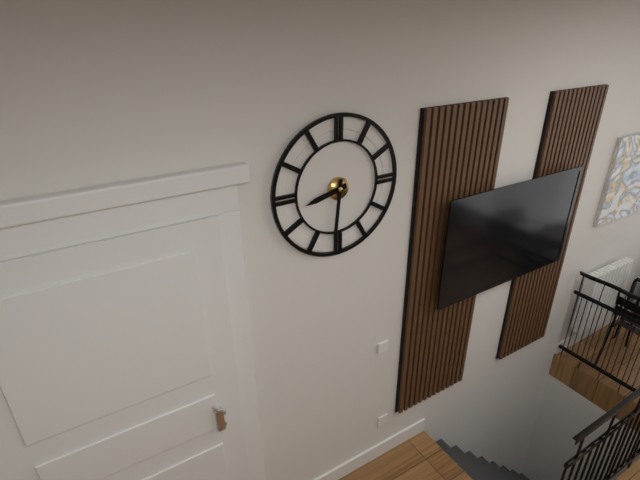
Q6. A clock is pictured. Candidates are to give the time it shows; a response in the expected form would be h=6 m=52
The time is h=8 m=31
